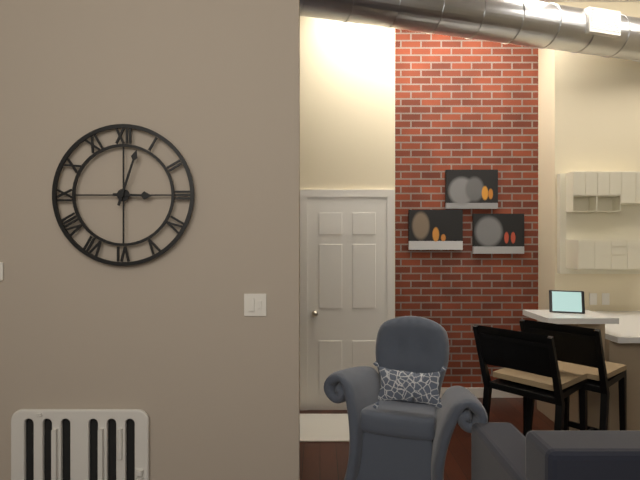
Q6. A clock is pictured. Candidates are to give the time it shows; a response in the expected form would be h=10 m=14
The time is h=3 m=3
